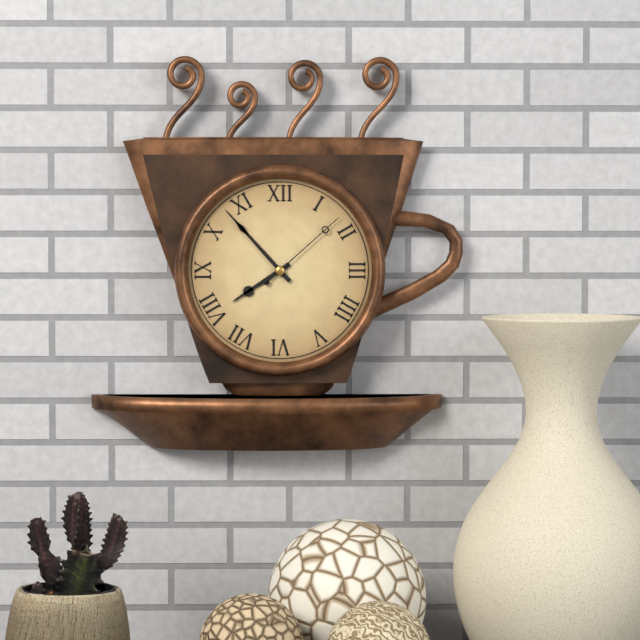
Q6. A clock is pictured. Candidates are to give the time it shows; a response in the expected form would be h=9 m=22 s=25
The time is h=7 m=53 s=8
